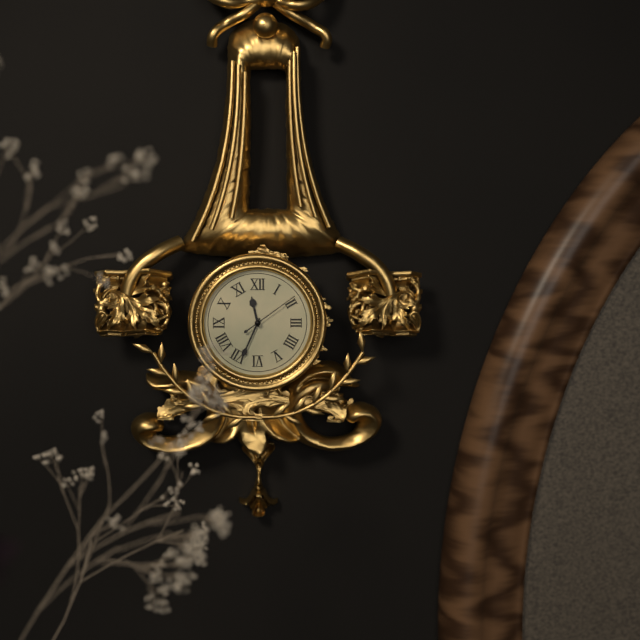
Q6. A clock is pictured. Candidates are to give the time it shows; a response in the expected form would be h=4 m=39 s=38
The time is h=11 m=34 s=9
